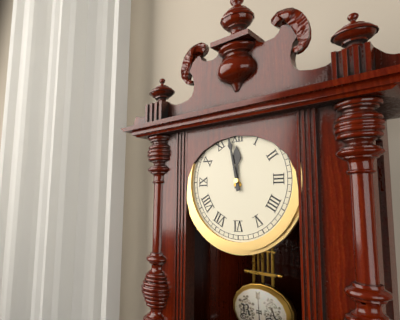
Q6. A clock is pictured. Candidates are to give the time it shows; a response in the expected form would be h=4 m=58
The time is h=11 m=58
